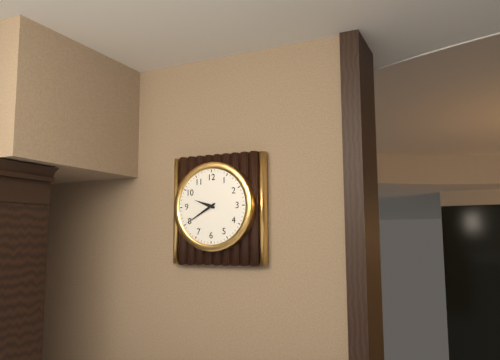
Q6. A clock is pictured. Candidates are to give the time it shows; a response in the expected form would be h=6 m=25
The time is h=9 m=40
